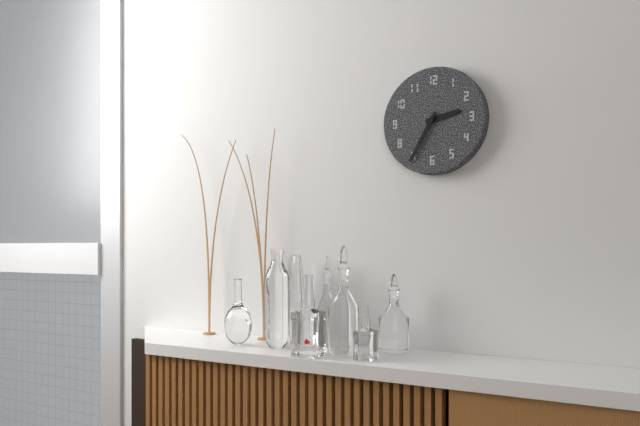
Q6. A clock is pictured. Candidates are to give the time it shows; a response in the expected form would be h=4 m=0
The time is h=2 m=35
